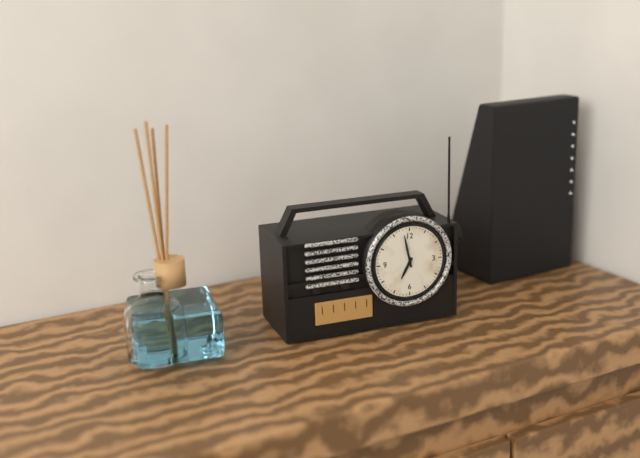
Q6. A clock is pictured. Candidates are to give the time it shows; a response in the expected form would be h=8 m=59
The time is h=6 m=58
